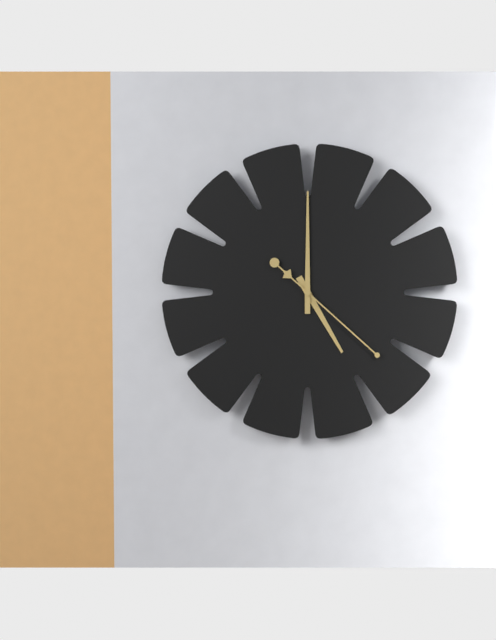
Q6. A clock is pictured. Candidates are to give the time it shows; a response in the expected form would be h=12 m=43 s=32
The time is h=5 m=0 s=22
